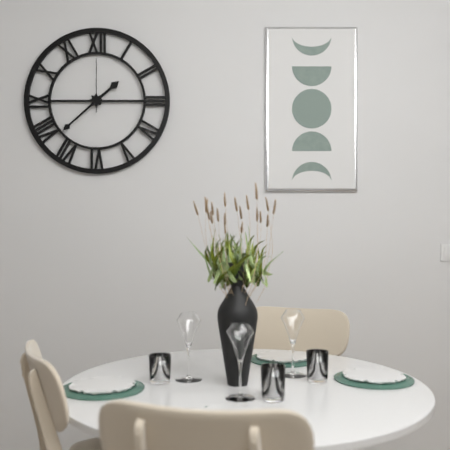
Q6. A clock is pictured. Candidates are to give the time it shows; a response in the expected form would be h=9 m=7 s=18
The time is h=1 m=38 s=0
